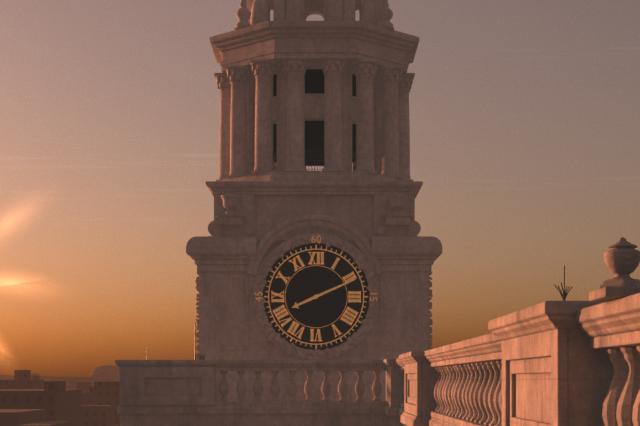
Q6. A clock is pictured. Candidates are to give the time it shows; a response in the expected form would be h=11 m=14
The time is h=8 m=11
